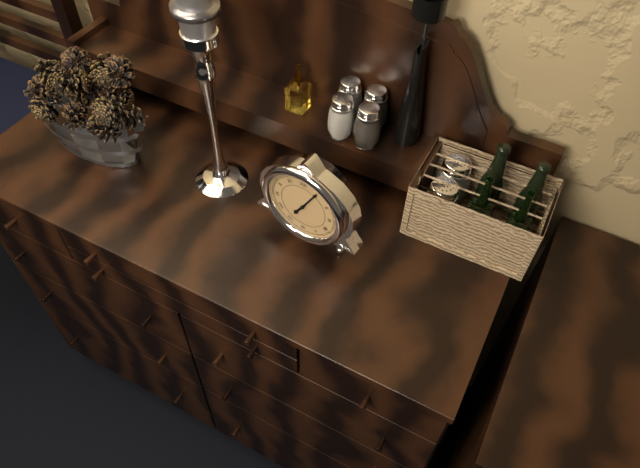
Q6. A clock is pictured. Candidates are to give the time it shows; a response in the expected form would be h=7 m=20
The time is h=7 m=5
